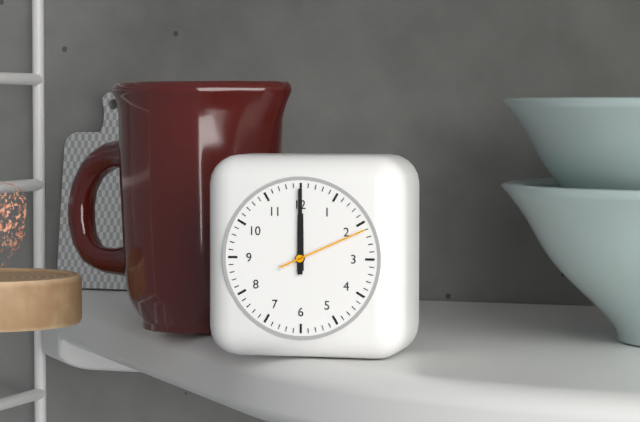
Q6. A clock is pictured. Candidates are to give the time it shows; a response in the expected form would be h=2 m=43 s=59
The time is h=12 m=0 s=11
